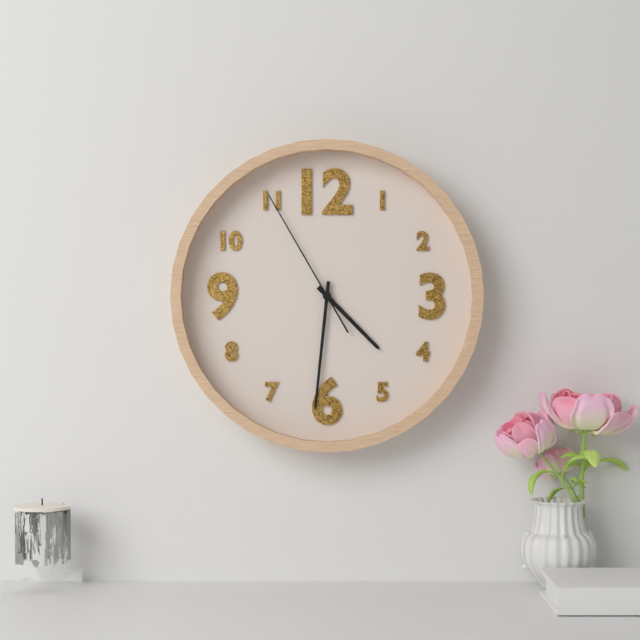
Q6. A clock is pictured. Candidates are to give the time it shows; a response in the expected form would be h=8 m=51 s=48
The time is h=4 m=31 s=55
